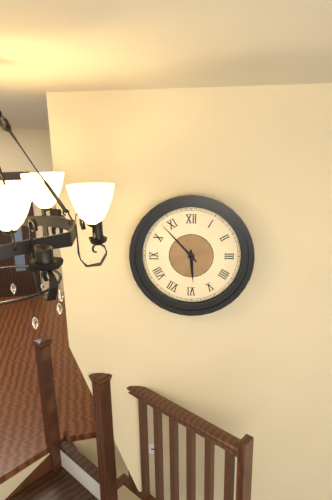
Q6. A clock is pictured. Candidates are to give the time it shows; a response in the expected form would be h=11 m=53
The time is h=5 m=53
